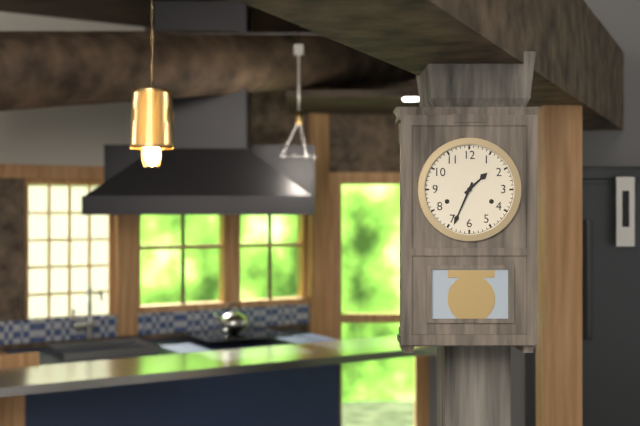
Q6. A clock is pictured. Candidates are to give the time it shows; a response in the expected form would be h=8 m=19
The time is h=1 m=34
